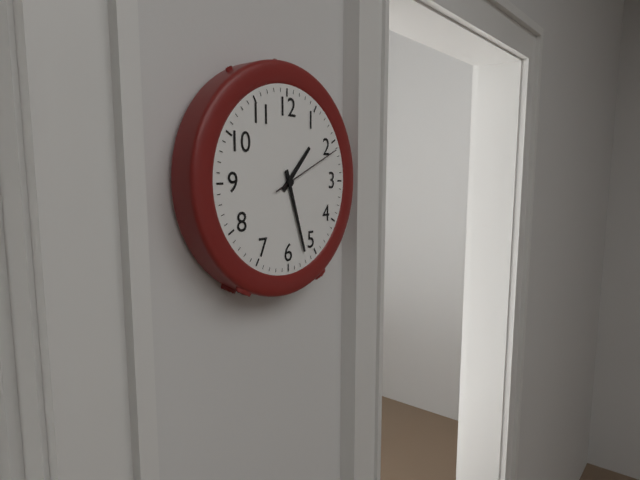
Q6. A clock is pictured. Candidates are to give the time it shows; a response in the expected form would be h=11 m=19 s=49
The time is h=1 m=27 s=11
